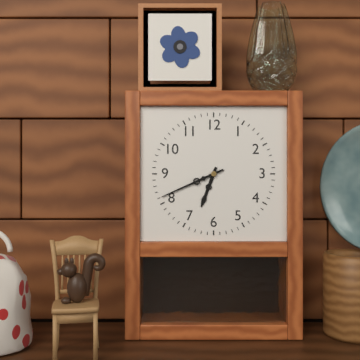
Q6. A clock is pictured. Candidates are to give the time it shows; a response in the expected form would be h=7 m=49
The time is h=6 m=41
